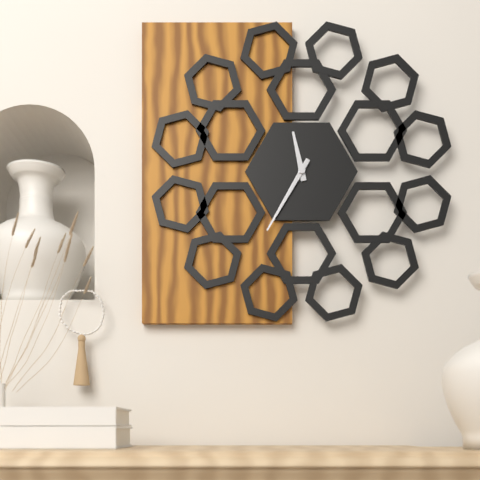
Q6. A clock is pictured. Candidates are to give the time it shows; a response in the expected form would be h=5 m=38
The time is h=11 m=35
